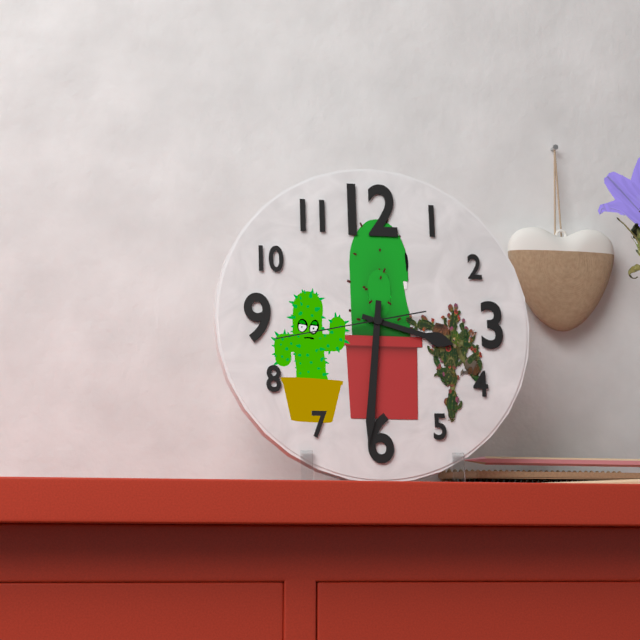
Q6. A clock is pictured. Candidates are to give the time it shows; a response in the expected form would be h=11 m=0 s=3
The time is h=3 m=31 s=43
